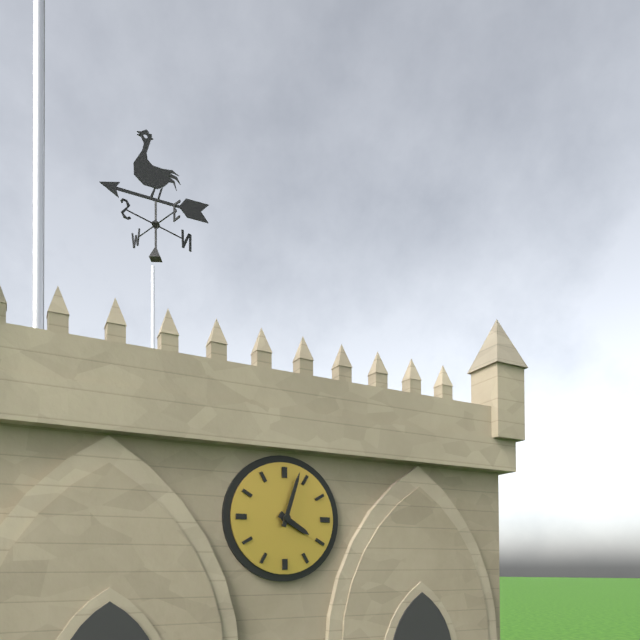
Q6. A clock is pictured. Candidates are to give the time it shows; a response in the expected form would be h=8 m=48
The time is h=4 m=3
